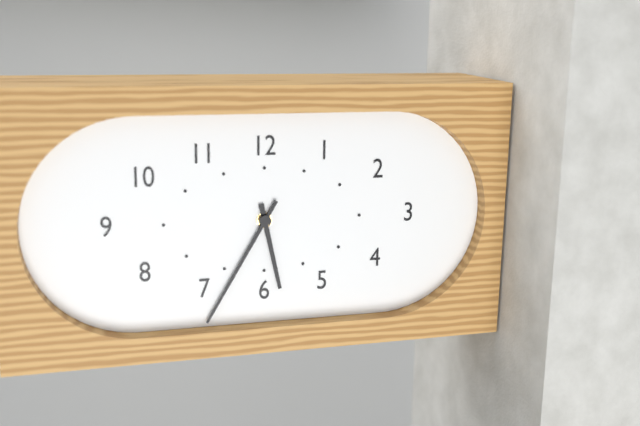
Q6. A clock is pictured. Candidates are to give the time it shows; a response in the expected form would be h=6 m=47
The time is h=5 m=35
